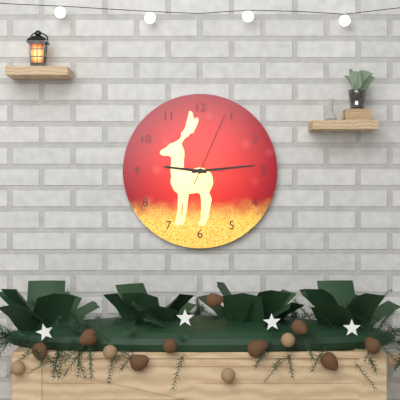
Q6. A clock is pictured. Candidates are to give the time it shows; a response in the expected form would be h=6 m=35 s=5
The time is h=9 m=14 s=4
